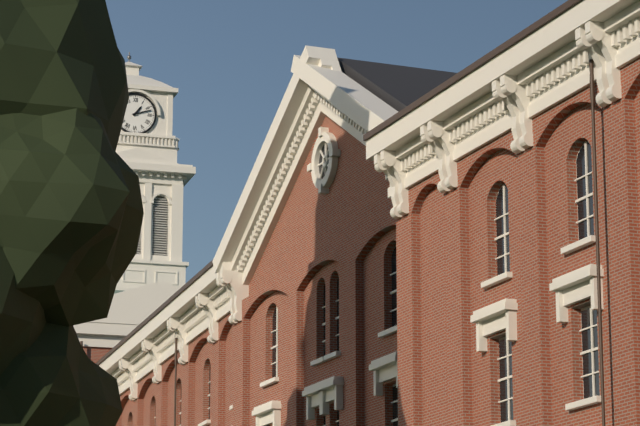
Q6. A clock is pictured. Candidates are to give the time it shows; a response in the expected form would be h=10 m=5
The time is h=1 m=12
